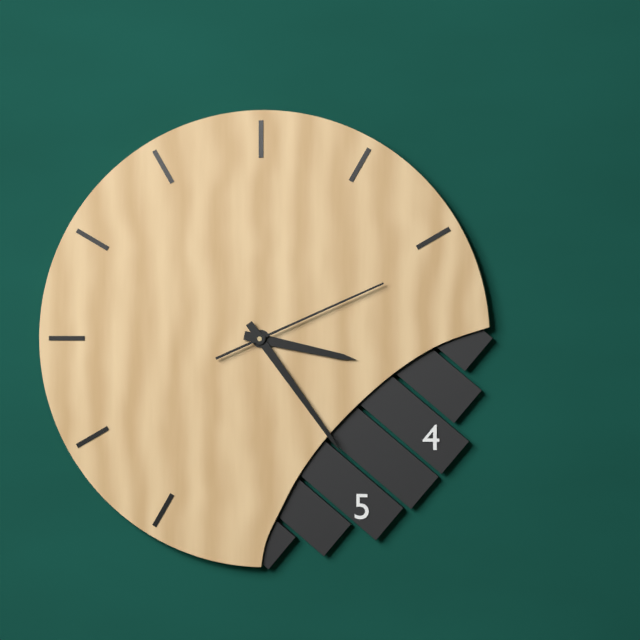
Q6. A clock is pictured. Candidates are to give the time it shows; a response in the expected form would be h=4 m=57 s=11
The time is h=3 m=24 s=11
